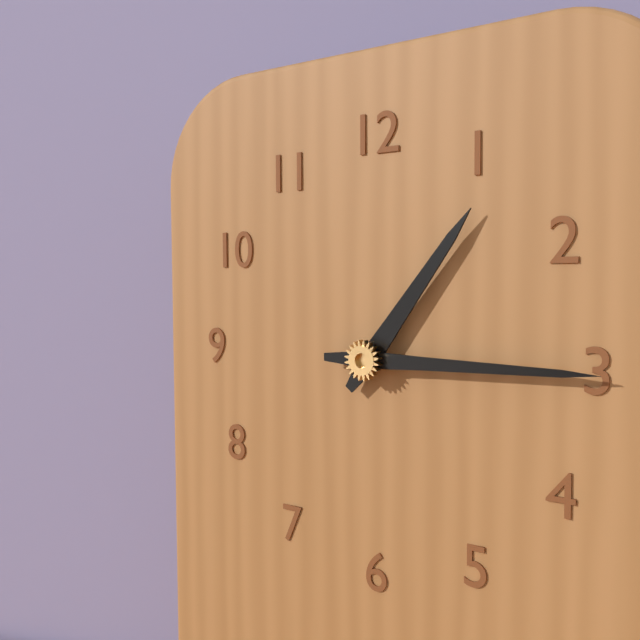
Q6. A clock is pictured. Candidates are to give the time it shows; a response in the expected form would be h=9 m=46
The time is h=1 m=15
